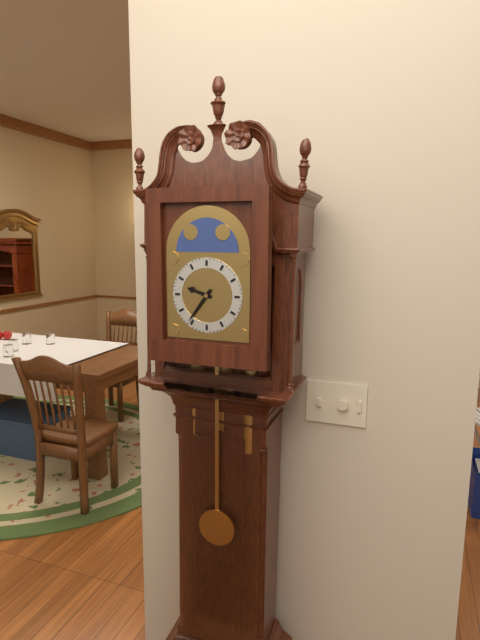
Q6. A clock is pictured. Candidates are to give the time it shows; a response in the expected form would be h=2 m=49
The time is h=9 m=36
